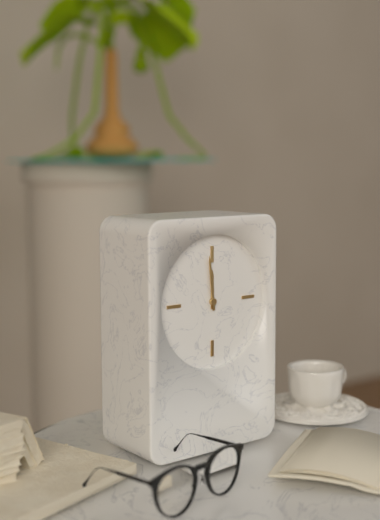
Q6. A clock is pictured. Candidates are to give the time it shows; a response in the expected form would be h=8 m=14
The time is h=11 m=59
